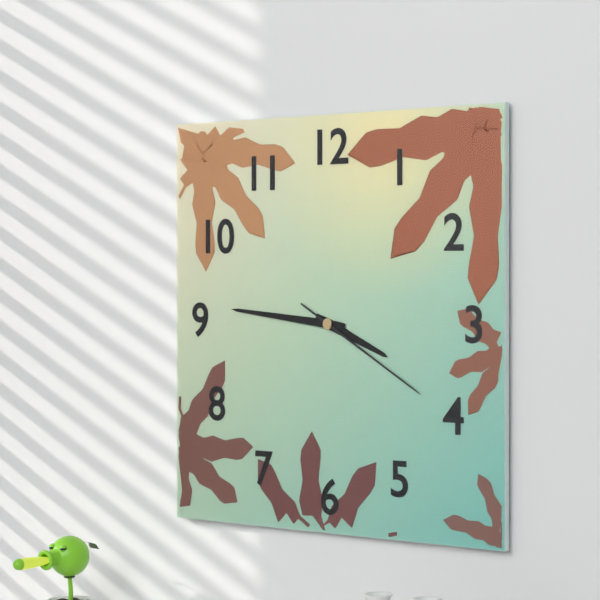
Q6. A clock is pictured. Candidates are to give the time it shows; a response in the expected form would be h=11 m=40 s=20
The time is h=3 m=46 s=20
